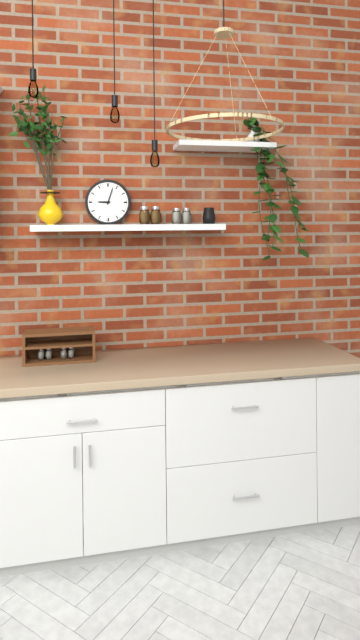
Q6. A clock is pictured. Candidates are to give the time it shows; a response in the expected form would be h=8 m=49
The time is h=9 m=3
